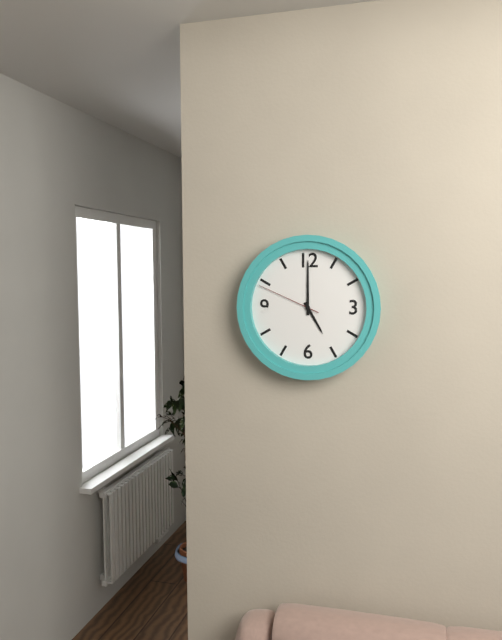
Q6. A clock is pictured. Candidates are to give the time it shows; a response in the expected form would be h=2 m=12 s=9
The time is h=5 m=0 s=49
